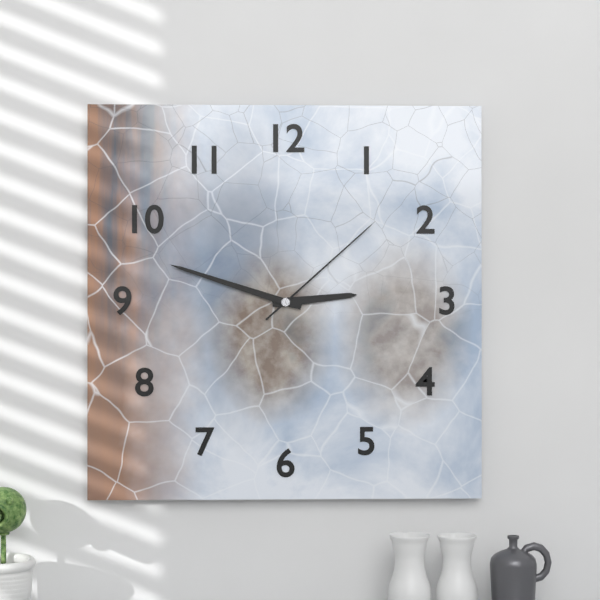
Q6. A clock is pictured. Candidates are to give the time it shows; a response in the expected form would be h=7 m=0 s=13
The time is h=2 m=48 s=8
